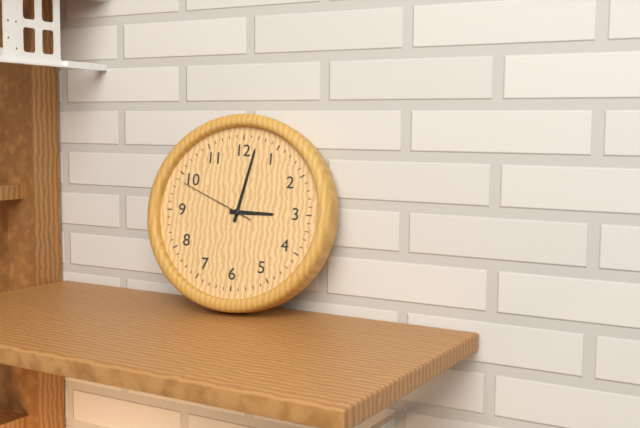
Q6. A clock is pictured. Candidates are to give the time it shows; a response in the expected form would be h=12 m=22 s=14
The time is h=3 m=2 s=49
